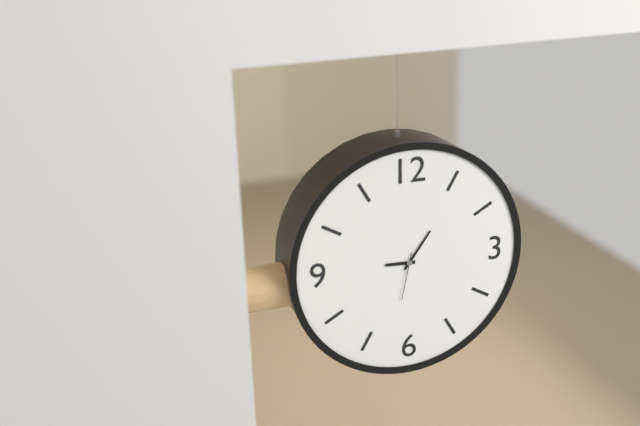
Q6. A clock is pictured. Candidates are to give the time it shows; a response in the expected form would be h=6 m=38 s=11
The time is h=9 m=6 s=32
